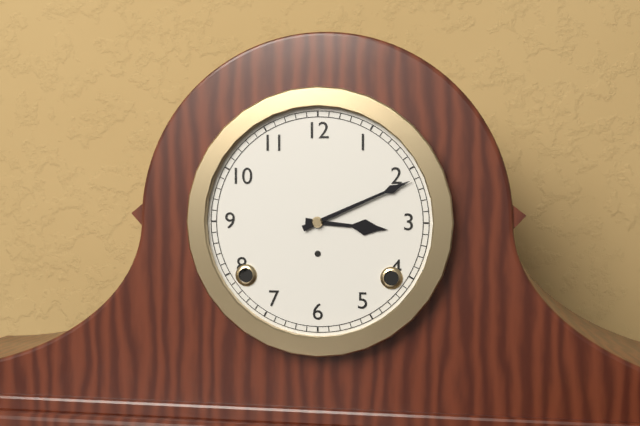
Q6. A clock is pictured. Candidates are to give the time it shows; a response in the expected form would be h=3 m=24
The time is h=3 m=11
